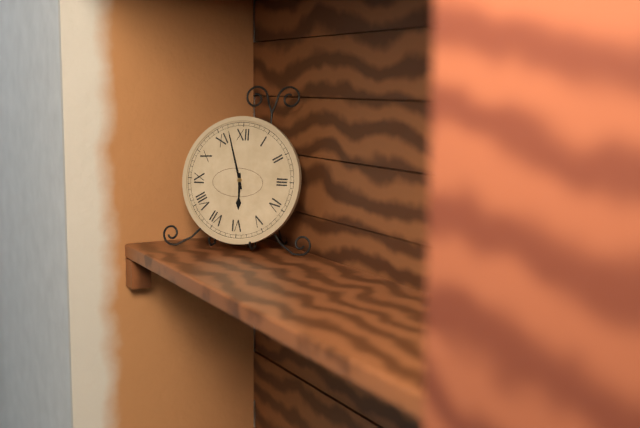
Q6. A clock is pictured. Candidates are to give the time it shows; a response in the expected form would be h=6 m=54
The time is h=5 m=57
